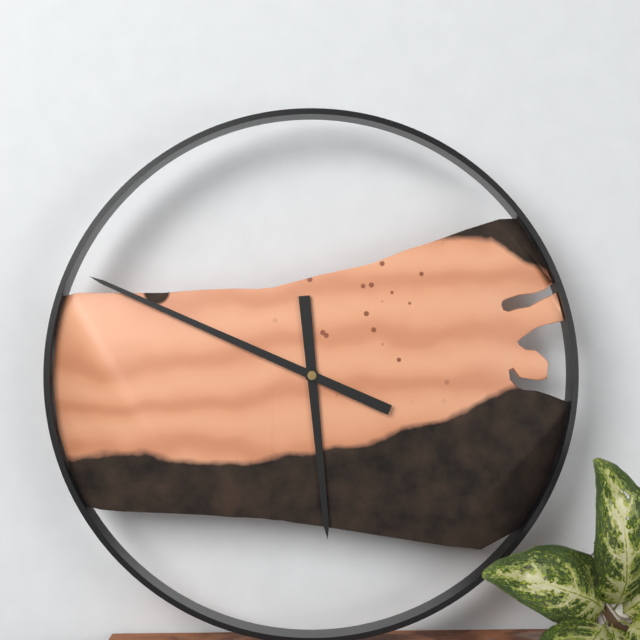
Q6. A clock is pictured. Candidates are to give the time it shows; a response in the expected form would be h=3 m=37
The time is h=5 m=49
